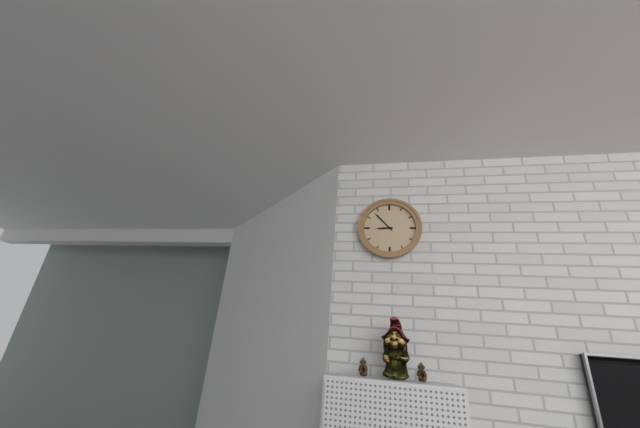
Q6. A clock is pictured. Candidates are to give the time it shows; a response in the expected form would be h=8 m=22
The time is h=8 m=53
